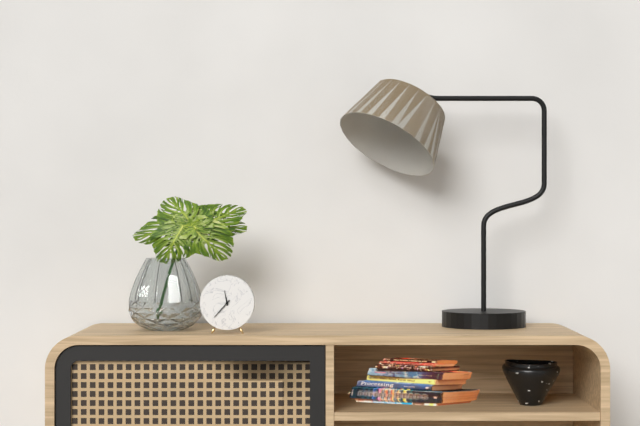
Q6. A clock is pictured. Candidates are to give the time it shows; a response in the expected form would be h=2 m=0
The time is h=11 m=37
